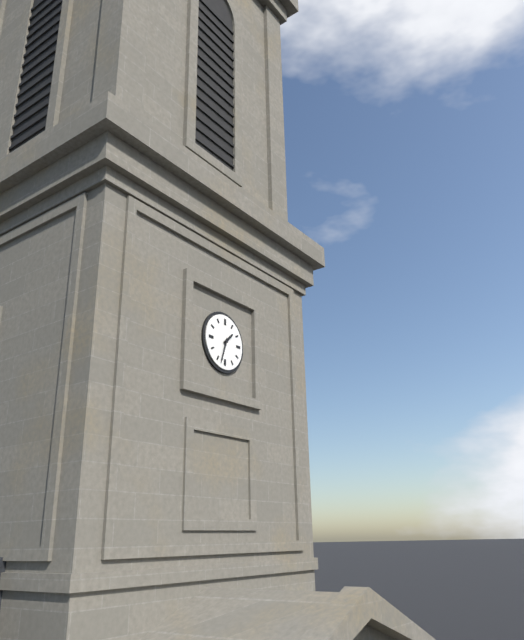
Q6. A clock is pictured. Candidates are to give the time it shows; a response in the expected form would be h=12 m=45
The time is h=1 m=33
